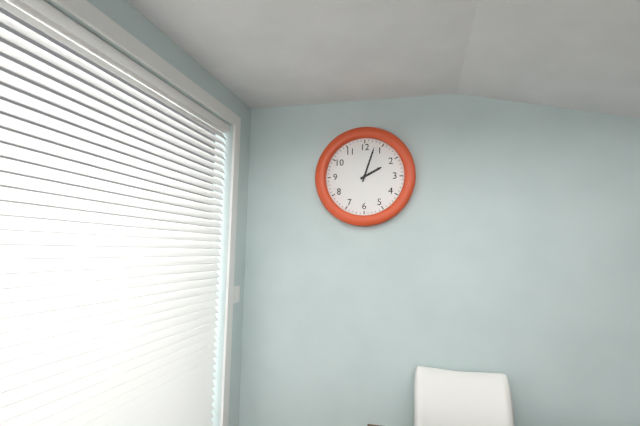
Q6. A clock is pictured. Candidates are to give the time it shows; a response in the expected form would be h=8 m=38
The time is h=2 m=3
